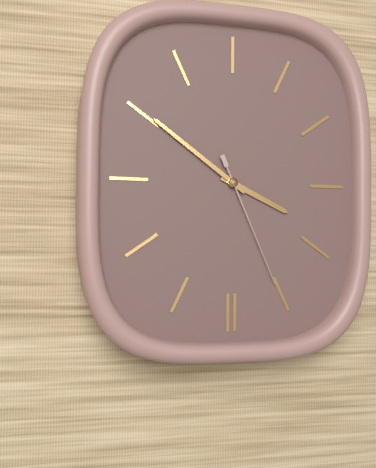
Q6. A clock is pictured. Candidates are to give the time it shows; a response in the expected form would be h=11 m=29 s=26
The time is h=3 m=51 s=26
